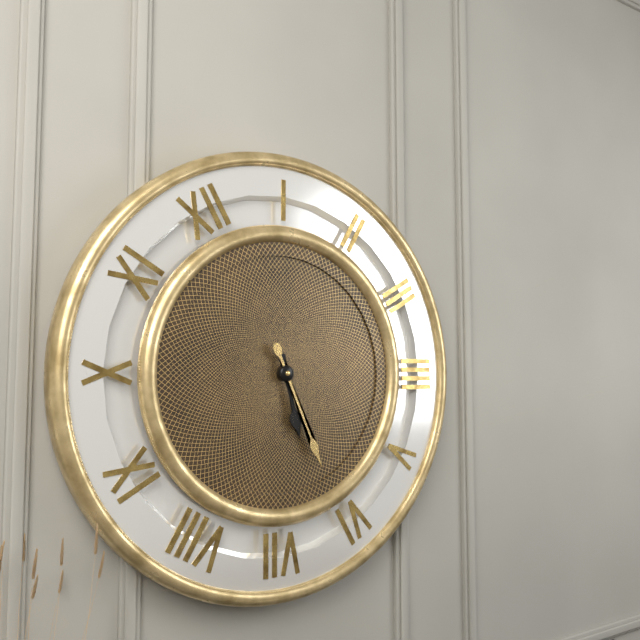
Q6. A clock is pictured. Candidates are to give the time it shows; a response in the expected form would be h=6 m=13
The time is h=6 m=31
